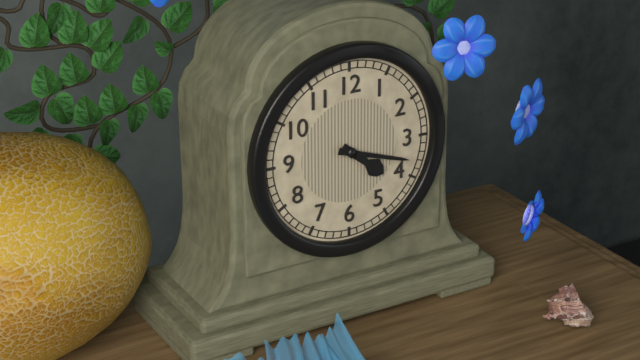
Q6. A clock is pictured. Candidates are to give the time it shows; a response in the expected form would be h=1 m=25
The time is h=4 m=18
